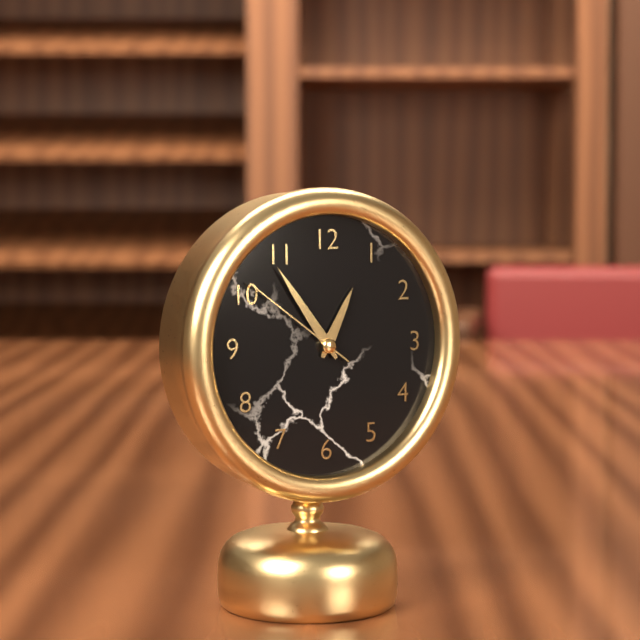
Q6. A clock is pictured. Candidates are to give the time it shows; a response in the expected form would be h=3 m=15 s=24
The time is h=12 m=54 s=51
